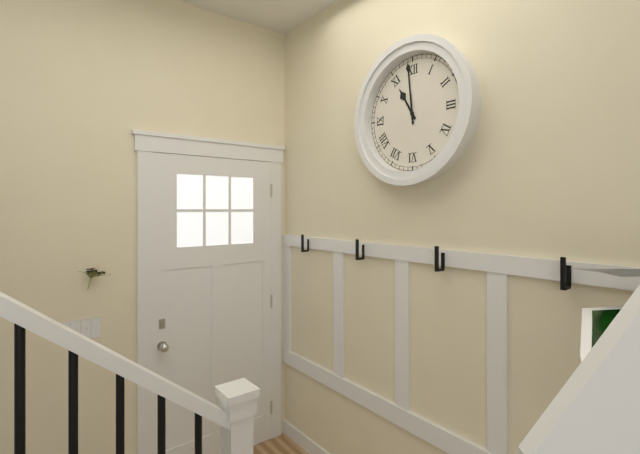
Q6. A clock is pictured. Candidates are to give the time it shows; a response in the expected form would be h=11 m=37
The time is h=10 m=59
